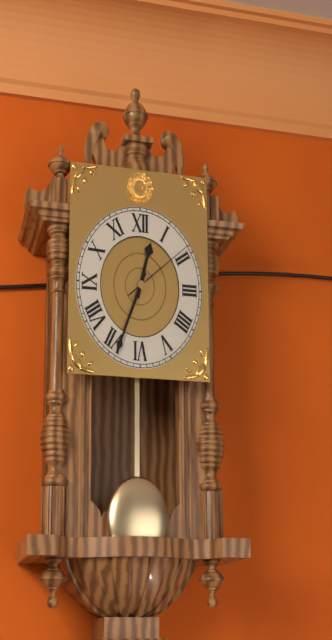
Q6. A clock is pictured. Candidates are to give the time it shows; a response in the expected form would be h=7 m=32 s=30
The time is h=12 m=34 s=9
